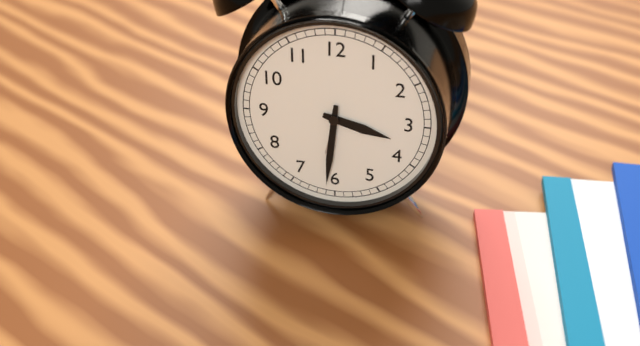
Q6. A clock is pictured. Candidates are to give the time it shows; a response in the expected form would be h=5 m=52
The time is h=3 m=31
